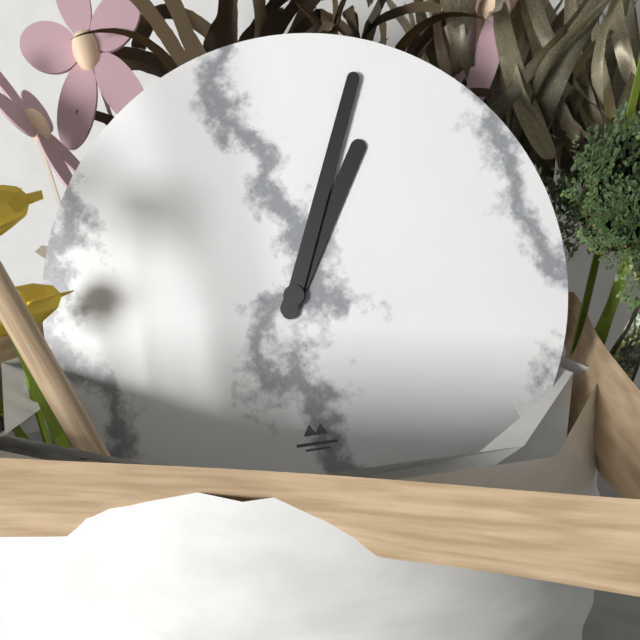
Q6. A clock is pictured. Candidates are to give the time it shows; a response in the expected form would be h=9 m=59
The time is h=1 m=4
